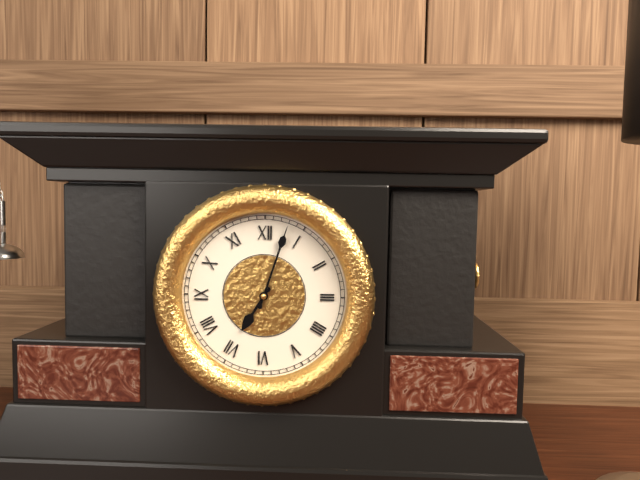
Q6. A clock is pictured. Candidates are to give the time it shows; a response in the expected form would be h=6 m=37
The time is h=7 m=3
